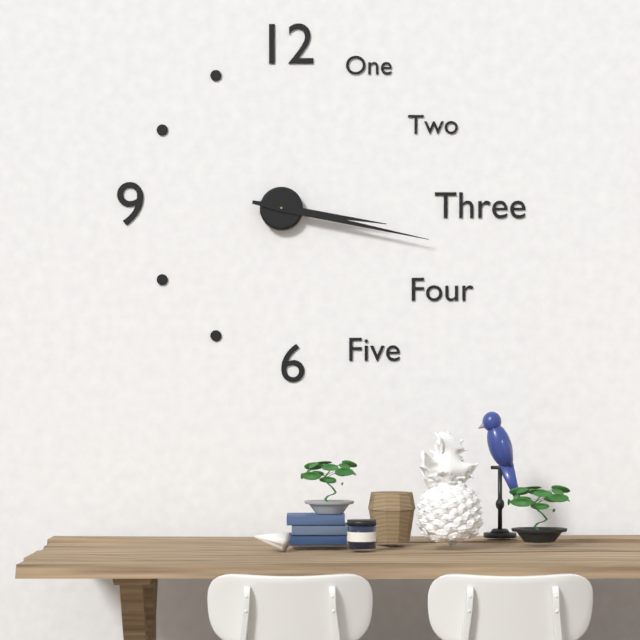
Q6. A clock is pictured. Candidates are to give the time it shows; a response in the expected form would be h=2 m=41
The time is h=3 m=17
